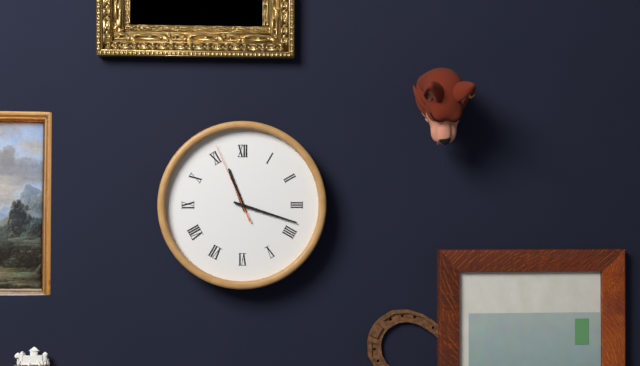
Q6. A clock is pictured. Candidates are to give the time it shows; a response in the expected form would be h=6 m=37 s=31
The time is h=11 m=18 s=56
